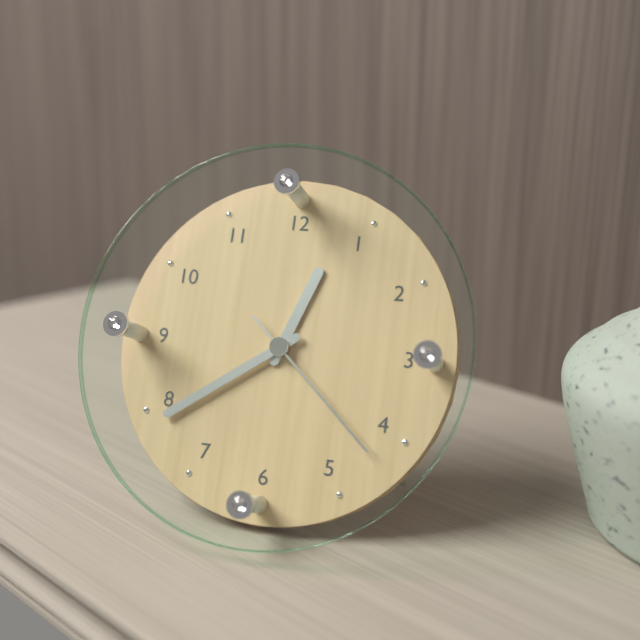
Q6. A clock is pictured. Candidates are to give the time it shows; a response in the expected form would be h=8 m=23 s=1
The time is h=12 m=39 s=22
